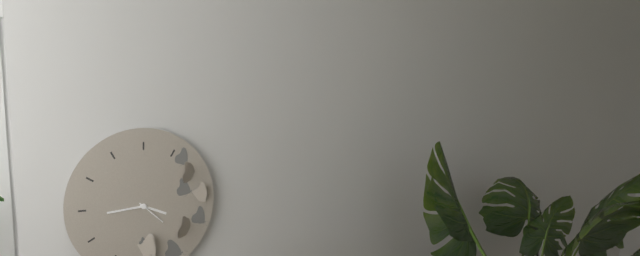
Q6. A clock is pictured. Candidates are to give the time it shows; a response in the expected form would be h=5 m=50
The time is h=3 m=44
